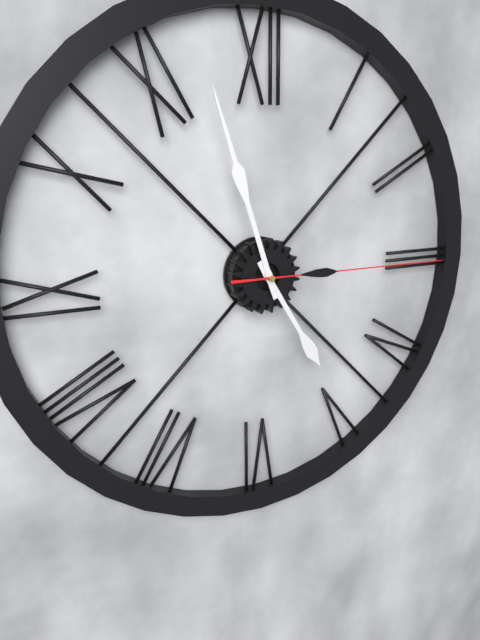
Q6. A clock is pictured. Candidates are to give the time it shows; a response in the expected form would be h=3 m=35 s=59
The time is h=4 m=57 s=15
